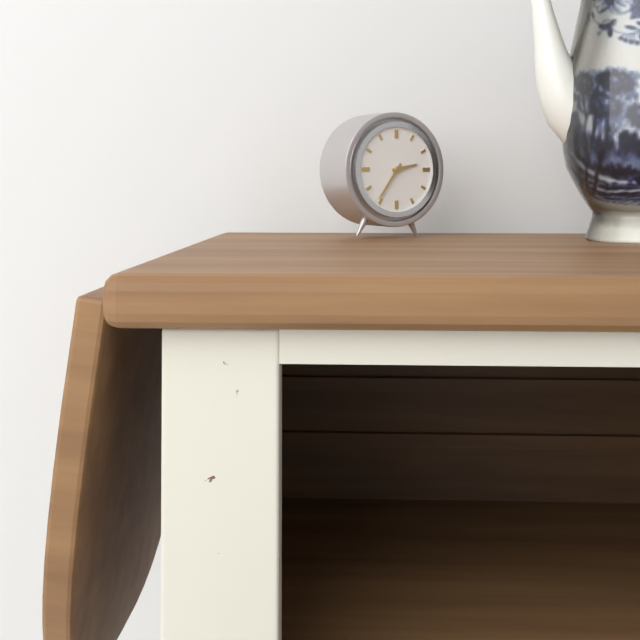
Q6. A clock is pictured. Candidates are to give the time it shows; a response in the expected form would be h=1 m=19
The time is h=2 m=36
